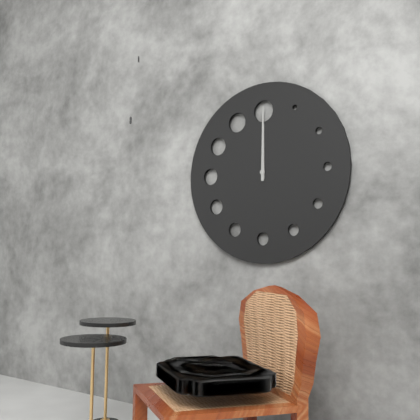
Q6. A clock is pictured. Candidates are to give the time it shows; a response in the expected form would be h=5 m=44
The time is h=12 m=0
